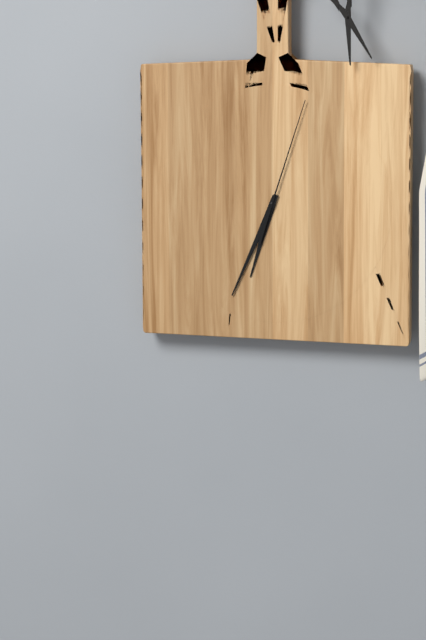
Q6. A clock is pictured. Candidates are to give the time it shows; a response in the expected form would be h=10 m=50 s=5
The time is h=6 m=34 s=3
